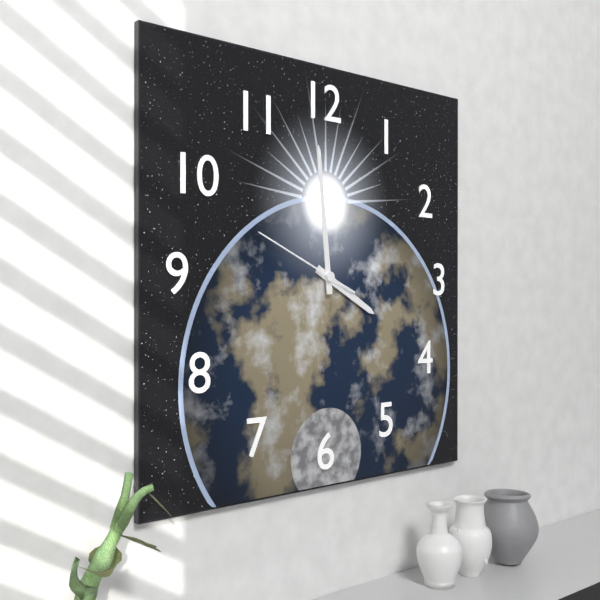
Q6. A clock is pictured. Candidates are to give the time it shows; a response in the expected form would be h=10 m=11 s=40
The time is h=3 m=59 s=49
